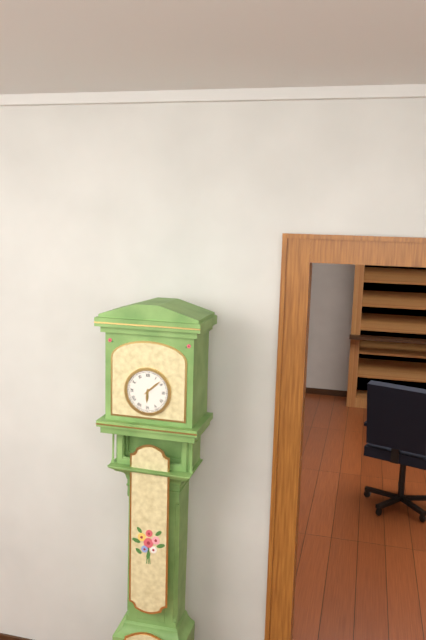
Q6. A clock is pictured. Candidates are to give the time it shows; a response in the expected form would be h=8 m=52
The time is h=6 m=8
